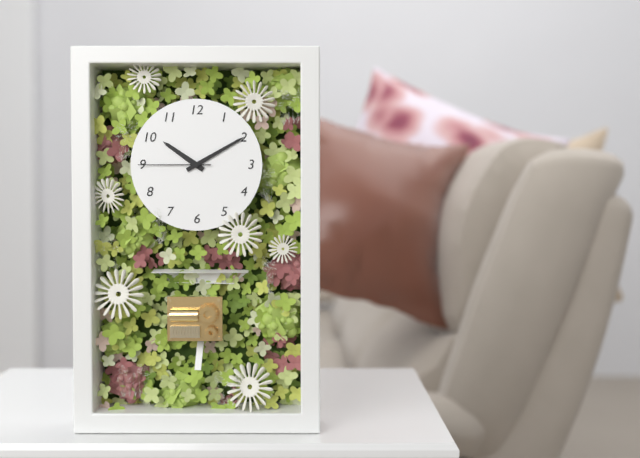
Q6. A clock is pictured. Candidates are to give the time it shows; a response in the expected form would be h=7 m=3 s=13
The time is h=10 m=10 s=45
